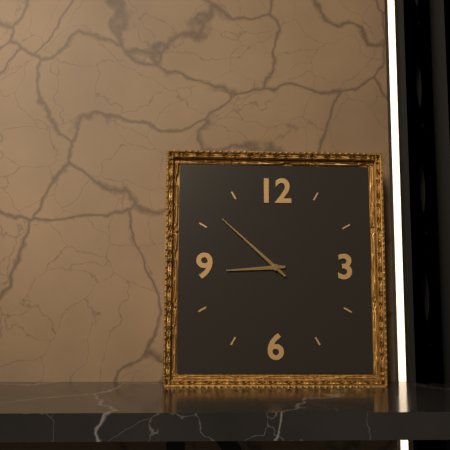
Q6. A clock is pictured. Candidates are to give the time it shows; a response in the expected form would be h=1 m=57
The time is h=8 m=52
